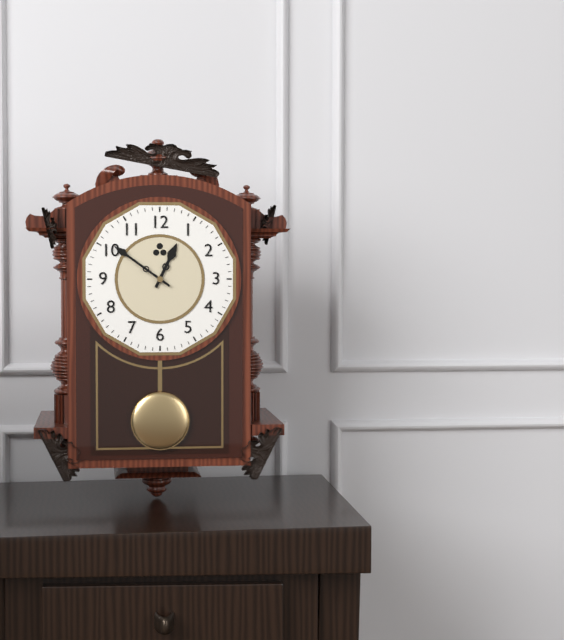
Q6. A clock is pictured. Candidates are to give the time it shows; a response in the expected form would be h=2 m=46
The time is h=12 m=51
